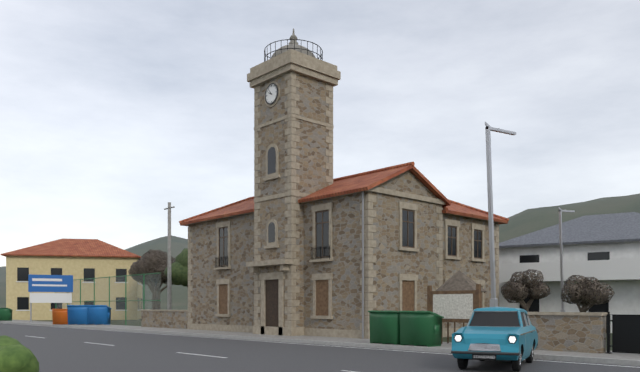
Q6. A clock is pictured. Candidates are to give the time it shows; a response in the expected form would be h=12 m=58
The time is h=9 m=54
